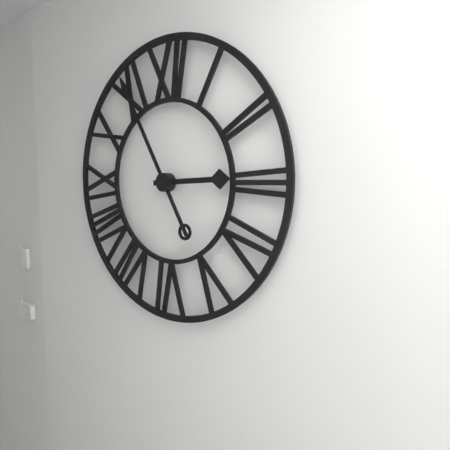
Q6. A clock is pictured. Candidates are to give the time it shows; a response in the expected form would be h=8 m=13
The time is h=2 m=55
